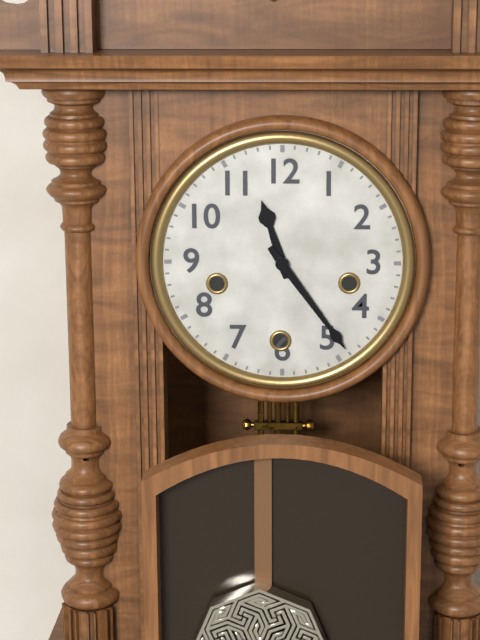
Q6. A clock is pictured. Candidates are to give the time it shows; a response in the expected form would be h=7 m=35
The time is h=11 m=24
